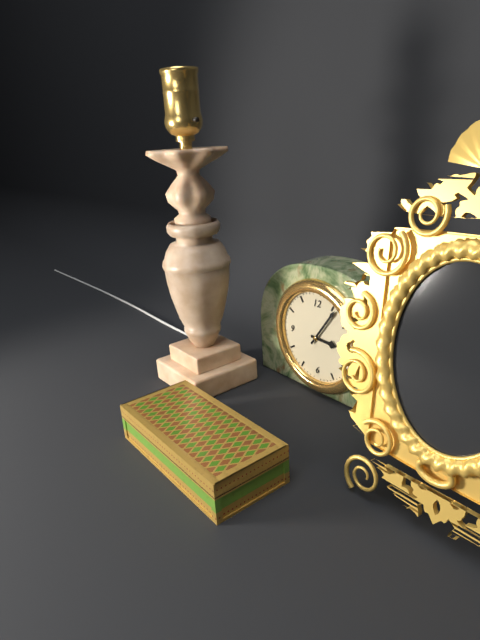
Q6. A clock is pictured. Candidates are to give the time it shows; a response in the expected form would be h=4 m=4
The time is h=3 m=6
